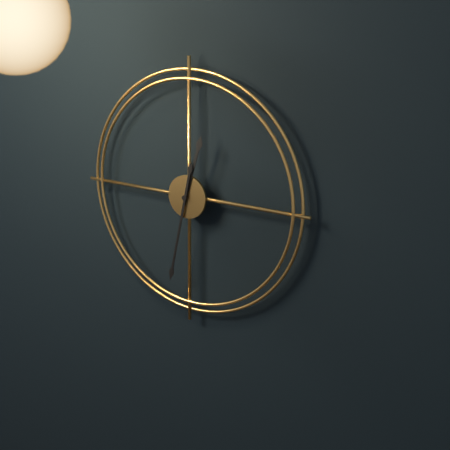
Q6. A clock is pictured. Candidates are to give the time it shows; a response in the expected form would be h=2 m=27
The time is h=12 m=32
